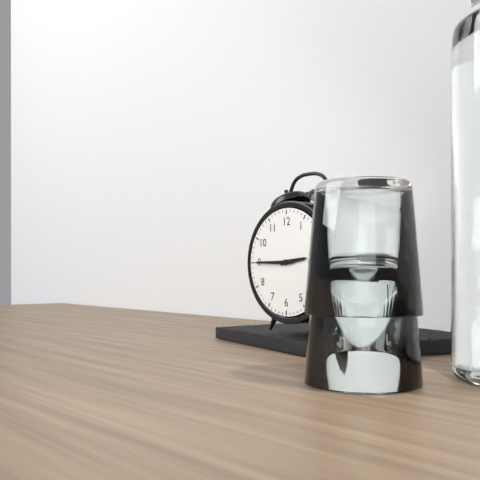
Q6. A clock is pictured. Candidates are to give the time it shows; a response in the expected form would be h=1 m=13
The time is h=2 m=45
